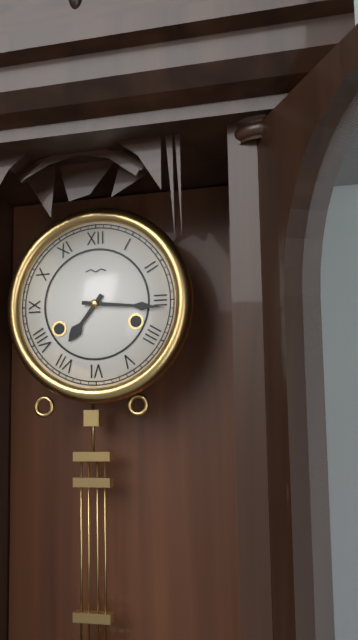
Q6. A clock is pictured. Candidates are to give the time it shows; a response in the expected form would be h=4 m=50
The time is h=7 m=16
